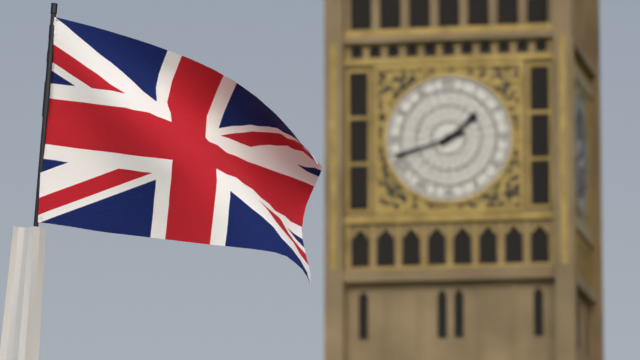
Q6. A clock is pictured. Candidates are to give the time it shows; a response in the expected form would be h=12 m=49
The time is h=1 m=42
